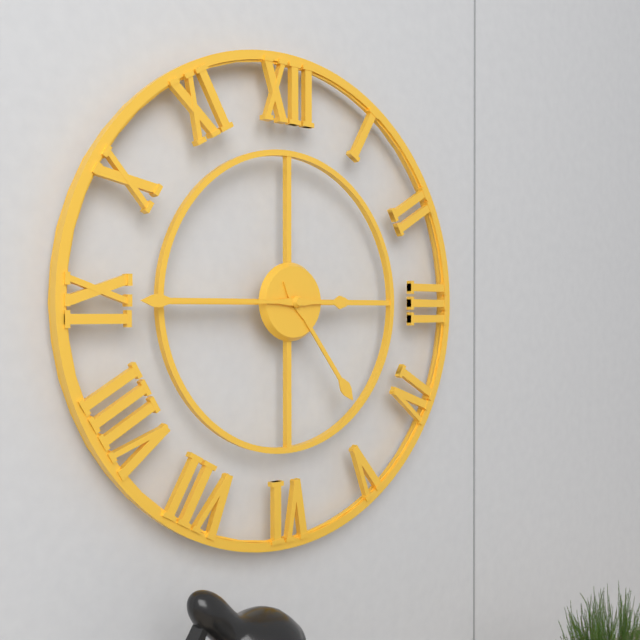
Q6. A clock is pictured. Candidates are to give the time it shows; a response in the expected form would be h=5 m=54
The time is h=4 m=45
